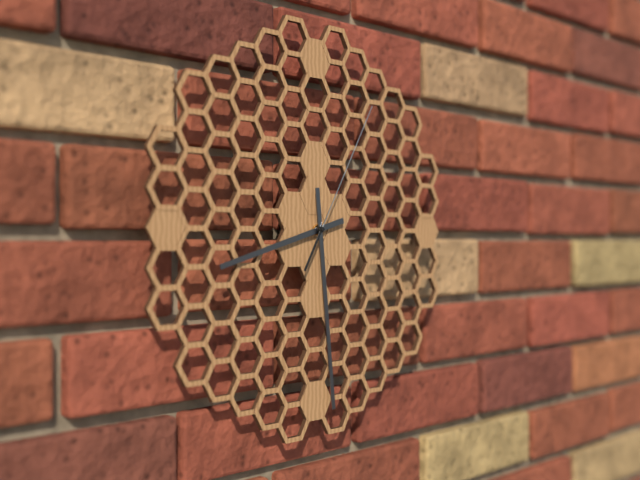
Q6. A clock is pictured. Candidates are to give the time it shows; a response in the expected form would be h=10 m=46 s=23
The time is h=8 m=29 s=5
